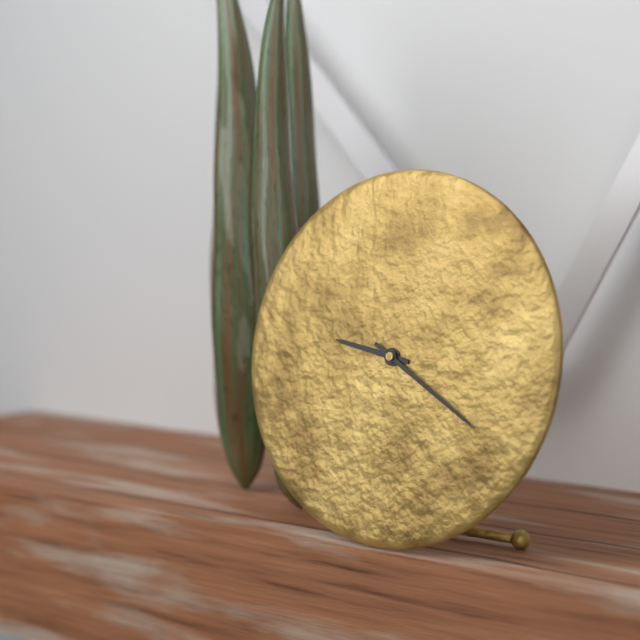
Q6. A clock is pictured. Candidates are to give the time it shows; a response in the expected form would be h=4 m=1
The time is h=9 m=20
